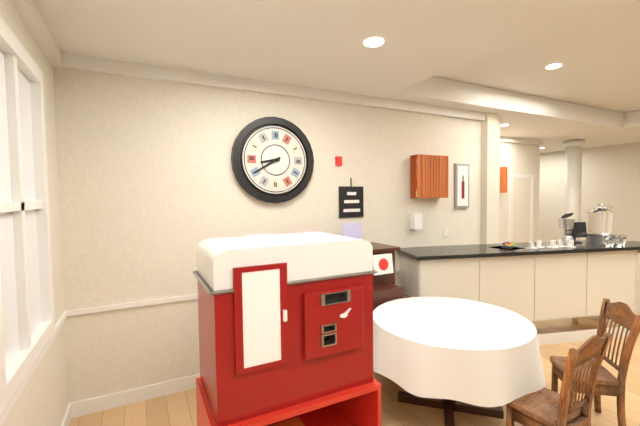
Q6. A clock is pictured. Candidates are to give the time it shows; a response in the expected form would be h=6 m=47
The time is h=8 m=40
